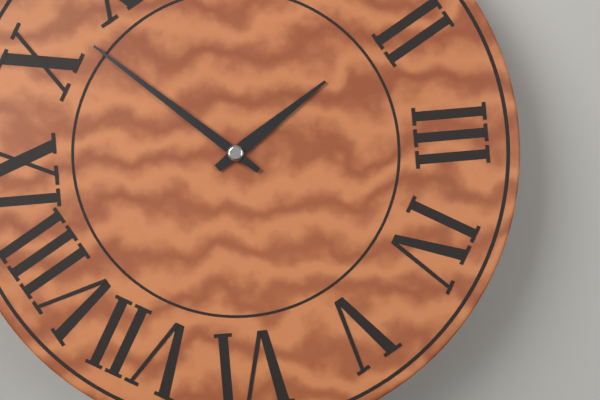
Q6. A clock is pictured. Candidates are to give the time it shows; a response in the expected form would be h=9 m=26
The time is h=1 m=52
